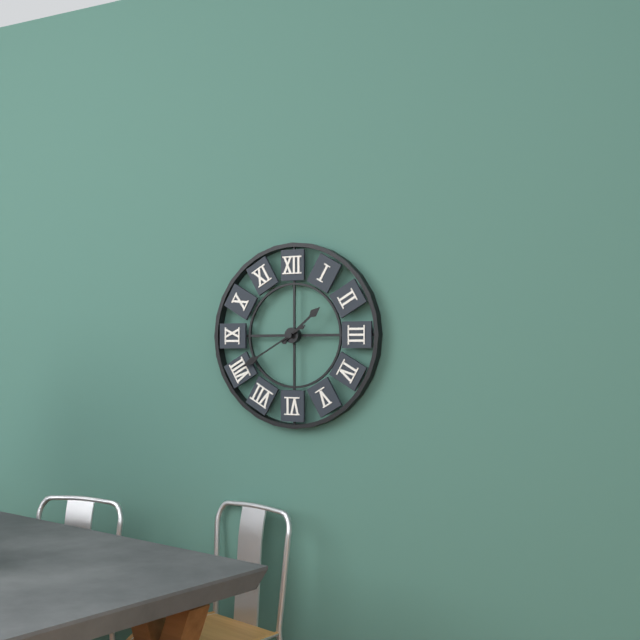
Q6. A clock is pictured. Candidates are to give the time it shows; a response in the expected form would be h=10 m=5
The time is h=1 m=40
